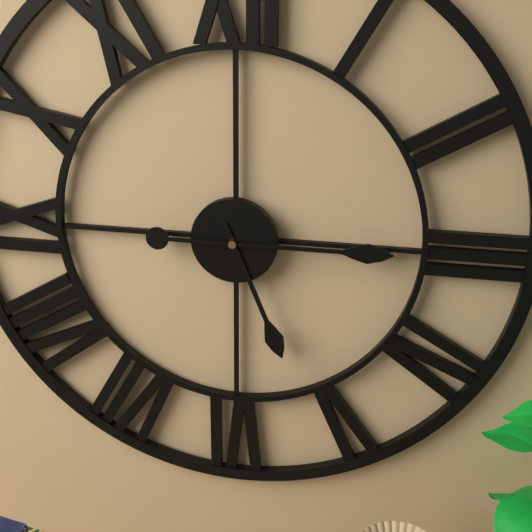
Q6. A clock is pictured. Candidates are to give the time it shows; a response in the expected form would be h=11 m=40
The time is h=5 m=15
